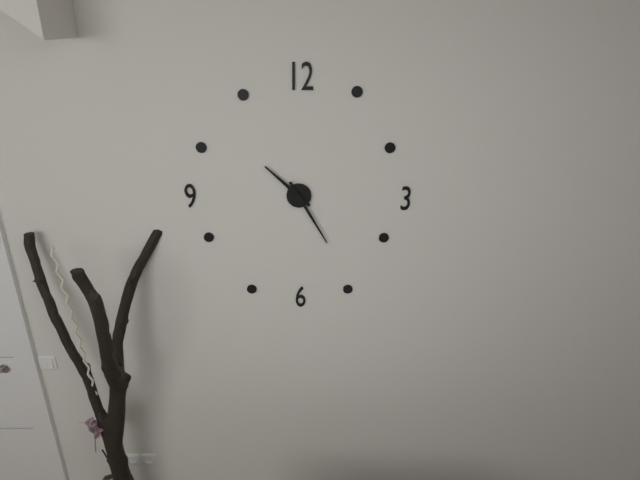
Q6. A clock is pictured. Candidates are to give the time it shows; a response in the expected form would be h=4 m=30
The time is h=10 m=25
